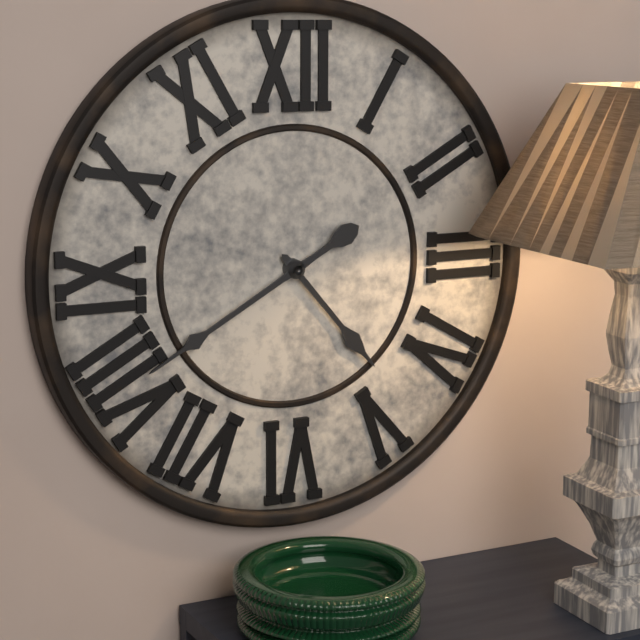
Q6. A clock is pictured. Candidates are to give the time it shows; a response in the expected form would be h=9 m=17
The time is h=4 m=40
